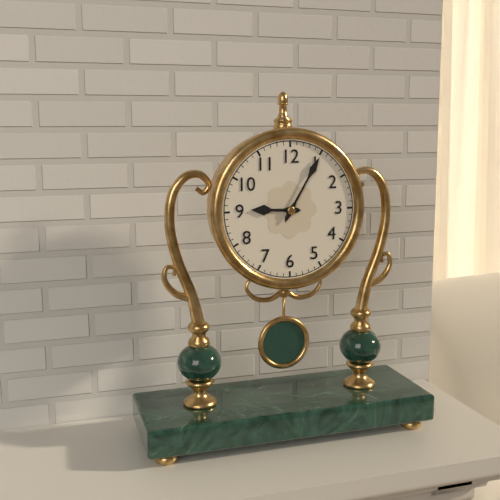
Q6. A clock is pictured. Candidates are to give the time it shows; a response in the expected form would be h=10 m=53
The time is h=9 m=5
